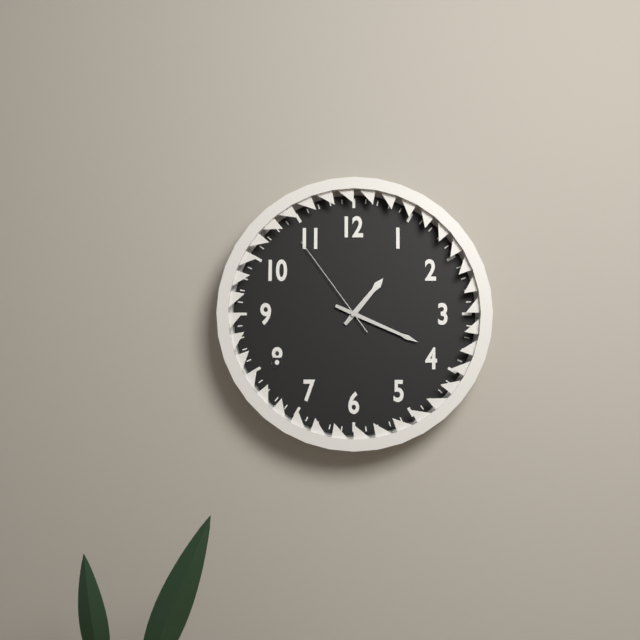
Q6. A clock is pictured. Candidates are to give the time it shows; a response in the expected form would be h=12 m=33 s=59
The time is h=1 m=19 s=54
